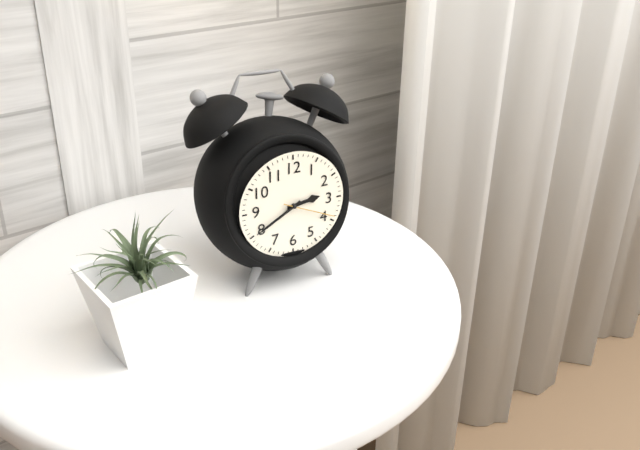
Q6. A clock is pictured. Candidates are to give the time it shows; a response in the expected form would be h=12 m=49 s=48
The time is h=2 m=40 s=19
